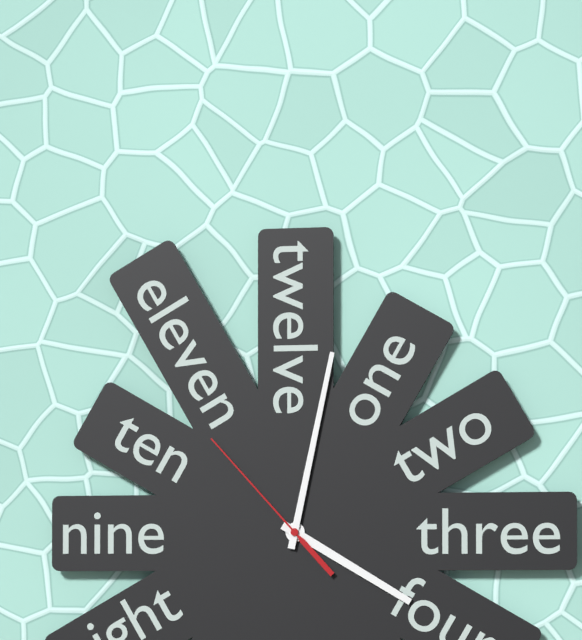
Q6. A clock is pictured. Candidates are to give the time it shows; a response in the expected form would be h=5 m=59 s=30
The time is h=4 m=2 s=53
